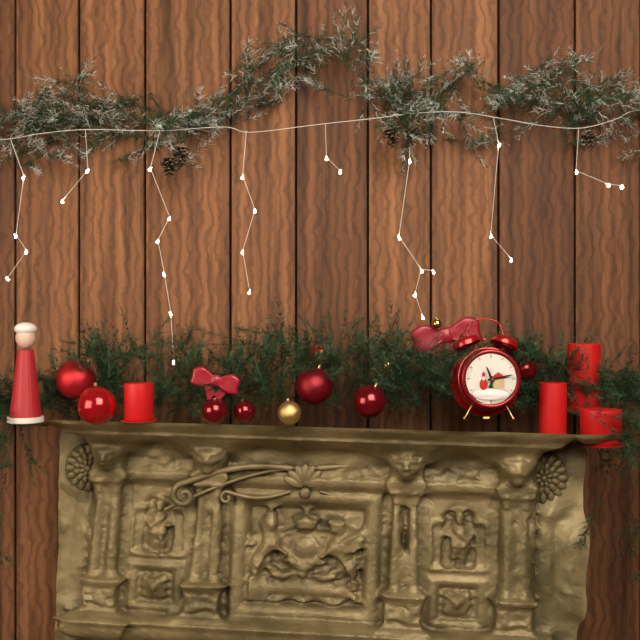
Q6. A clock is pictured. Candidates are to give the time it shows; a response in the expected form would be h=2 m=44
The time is h=11 m=13
